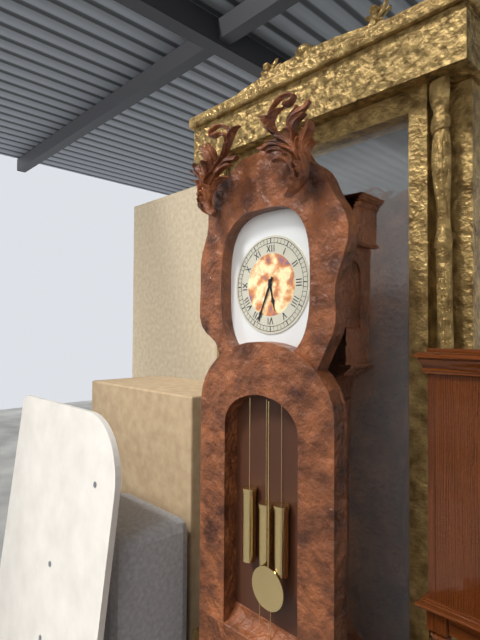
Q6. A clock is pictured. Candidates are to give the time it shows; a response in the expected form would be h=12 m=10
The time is h=5 m=34
